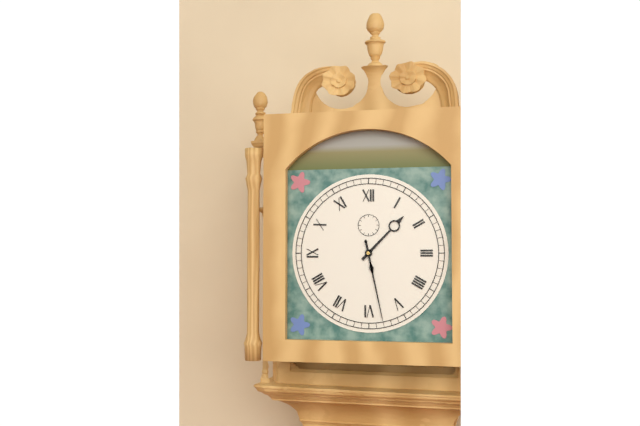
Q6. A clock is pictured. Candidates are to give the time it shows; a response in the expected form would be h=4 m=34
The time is h=1 m=28
